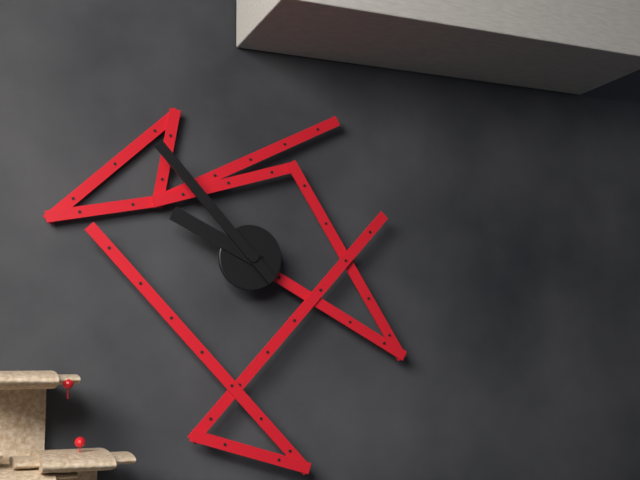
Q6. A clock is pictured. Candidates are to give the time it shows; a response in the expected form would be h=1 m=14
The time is h=9 m=53
